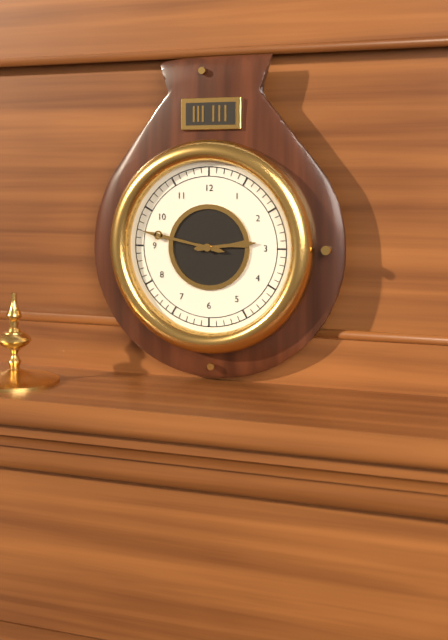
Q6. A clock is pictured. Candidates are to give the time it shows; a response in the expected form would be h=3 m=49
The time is h=2 m=47
